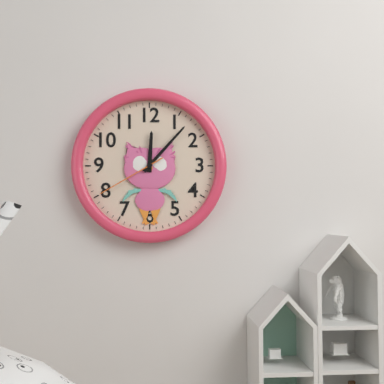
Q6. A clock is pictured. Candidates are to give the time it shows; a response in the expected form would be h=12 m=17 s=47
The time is h=12 m=7 s=40
